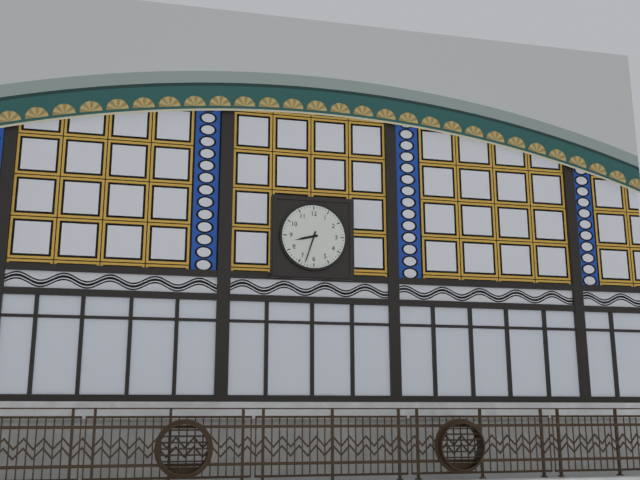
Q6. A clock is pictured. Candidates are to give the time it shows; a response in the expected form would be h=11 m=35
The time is h=8 m=33
